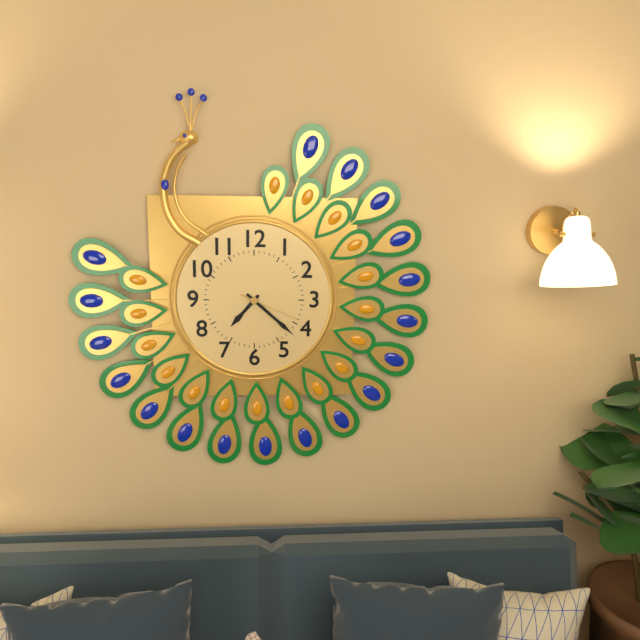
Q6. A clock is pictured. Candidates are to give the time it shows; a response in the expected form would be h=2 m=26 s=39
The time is h=7 m=22 s=19
